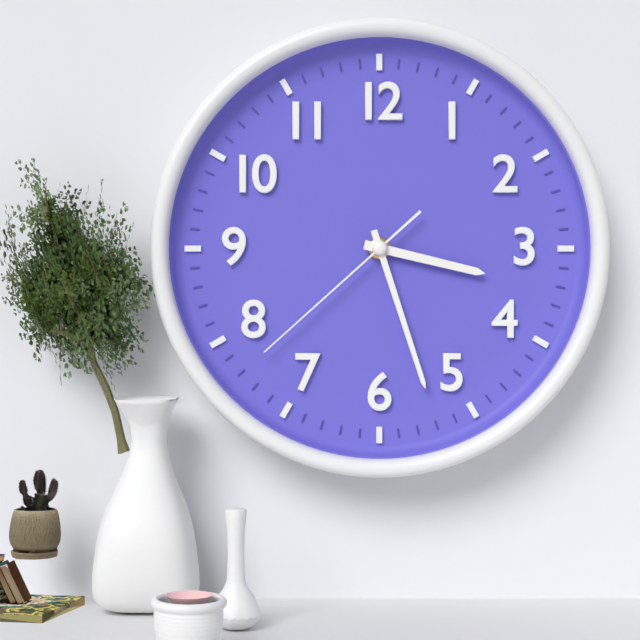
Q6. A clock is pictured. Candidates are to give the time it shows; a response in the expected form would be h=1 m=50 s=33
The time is h=3 m=27 s=38
